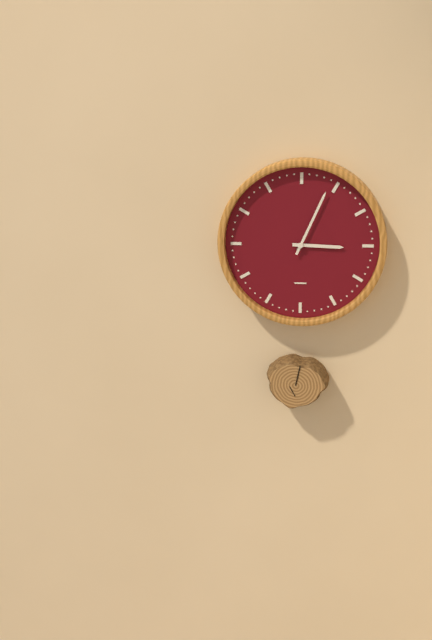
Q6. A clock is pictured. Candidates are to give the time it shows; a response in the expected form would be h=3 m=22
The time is h=3 m=4
